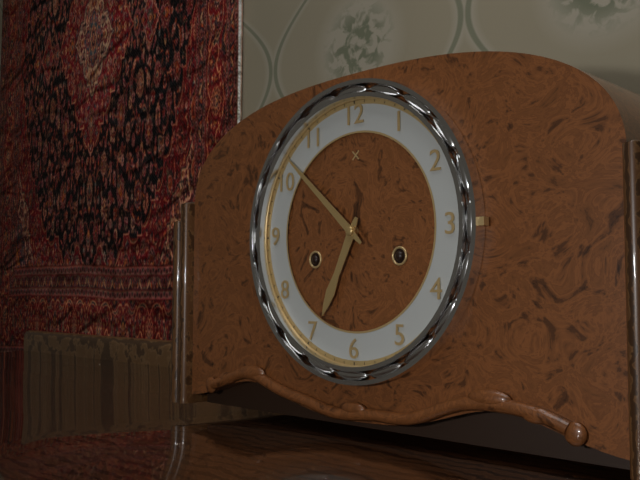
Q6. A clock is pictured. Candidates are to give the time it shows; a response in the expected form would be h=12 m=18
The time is h=6 m=52
